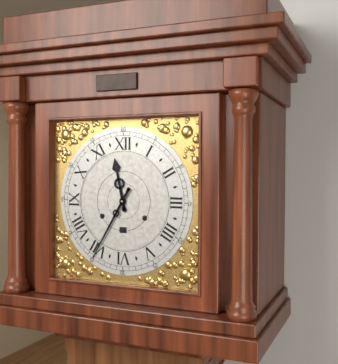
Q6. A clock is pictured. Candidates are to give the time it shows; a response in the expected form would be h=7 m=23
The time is h=11 m=35
